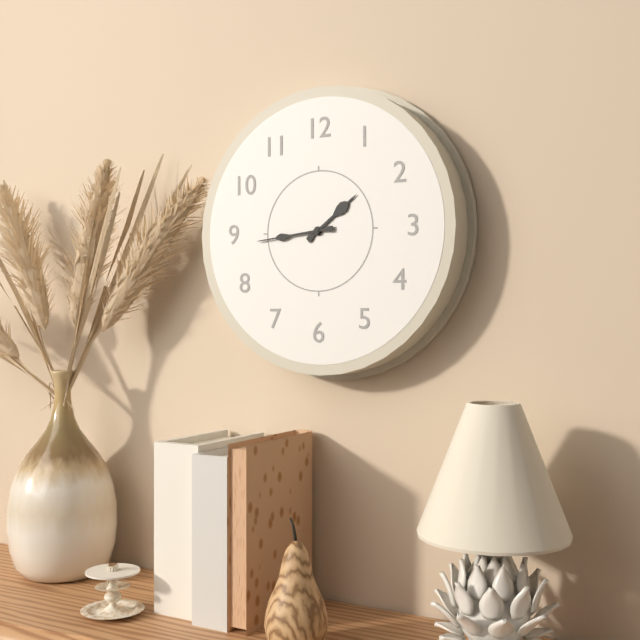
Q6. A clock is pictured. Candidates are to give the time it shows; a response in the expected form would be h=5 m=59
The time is h=1 m=44
